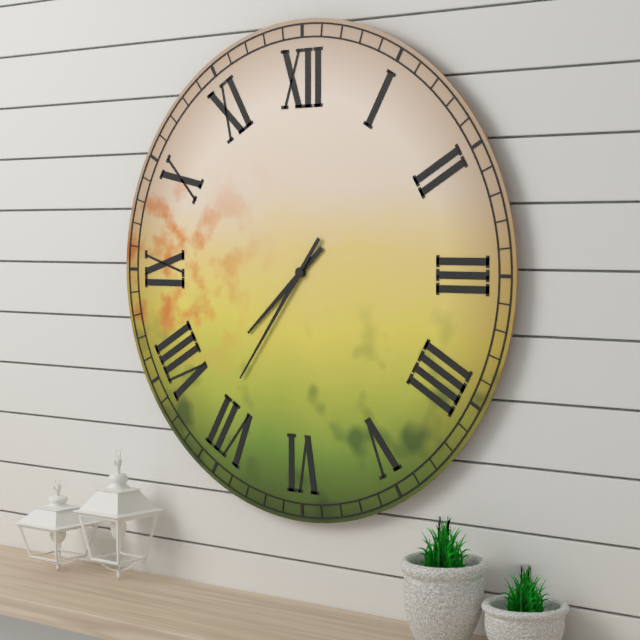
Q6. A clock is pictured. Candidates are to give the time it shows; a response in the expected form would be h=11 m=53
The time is h=7 m=36
